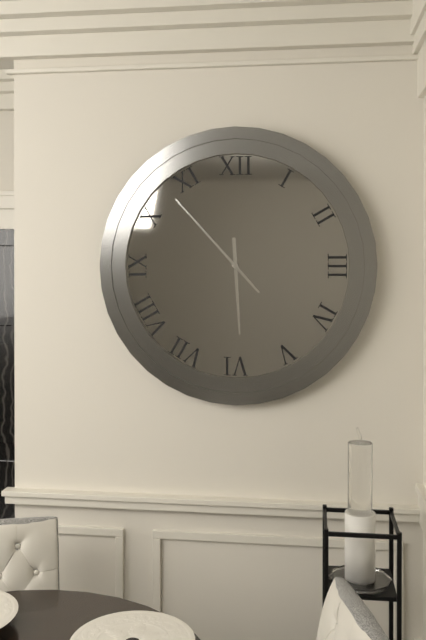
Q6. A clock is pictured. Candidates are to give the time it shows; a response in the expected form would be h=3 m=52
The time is h=5 m=53
